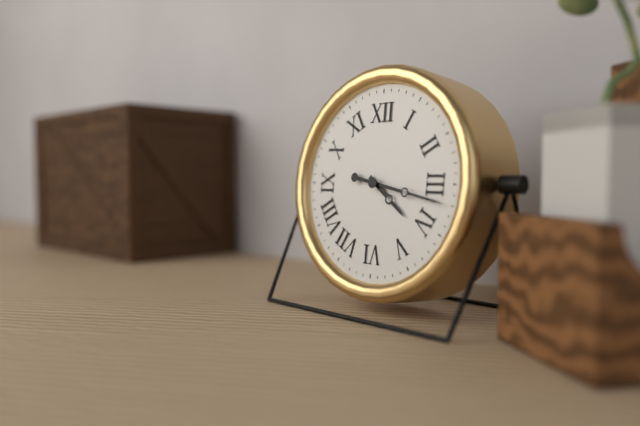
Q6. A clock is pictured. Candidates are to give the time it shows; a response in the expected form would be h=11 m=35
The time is h=4 m=17
